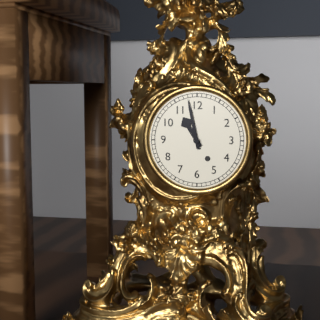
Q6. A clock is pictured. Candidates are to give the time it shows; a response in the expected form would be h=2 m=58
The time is h=10 m=58
